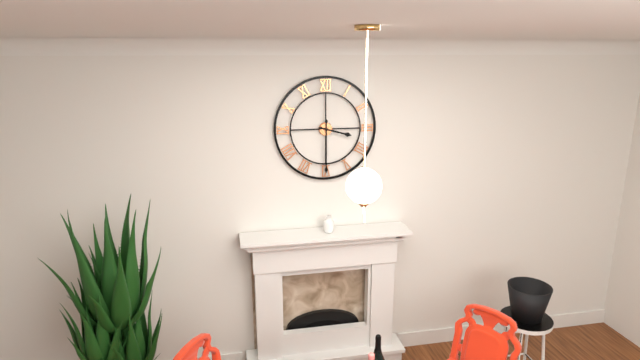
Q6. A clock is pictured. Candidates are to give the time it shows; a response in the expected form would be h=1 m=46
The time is h=3 m=30
